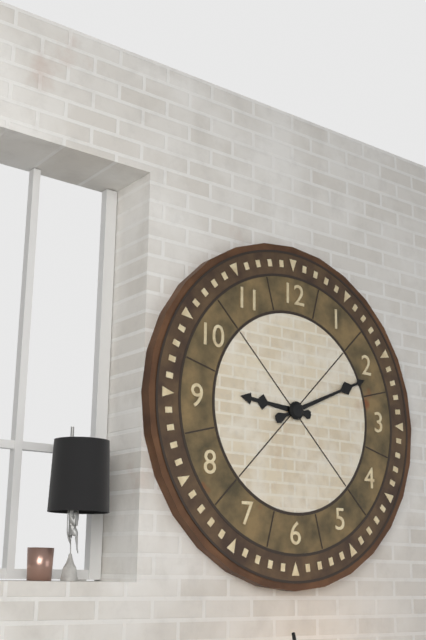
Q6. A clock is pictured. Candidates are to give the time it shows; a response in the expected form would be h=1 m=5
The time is h=9 m=11
